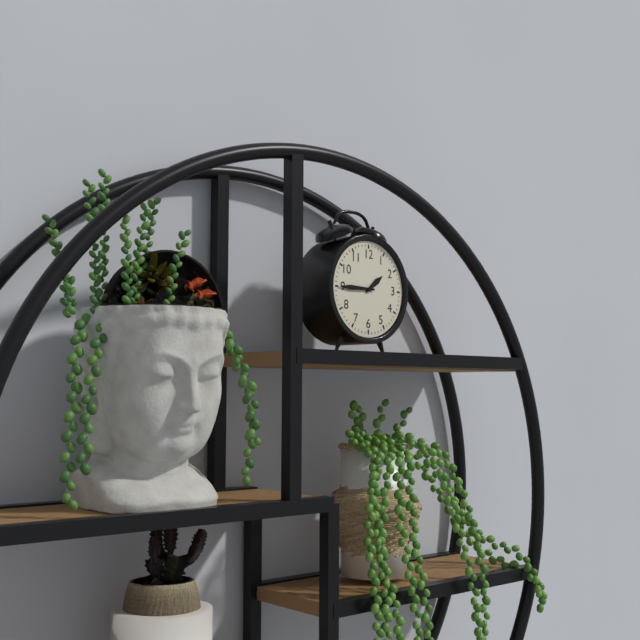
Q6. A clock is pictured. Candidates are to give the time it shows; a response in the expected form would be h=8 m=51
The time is h=1 m=45
